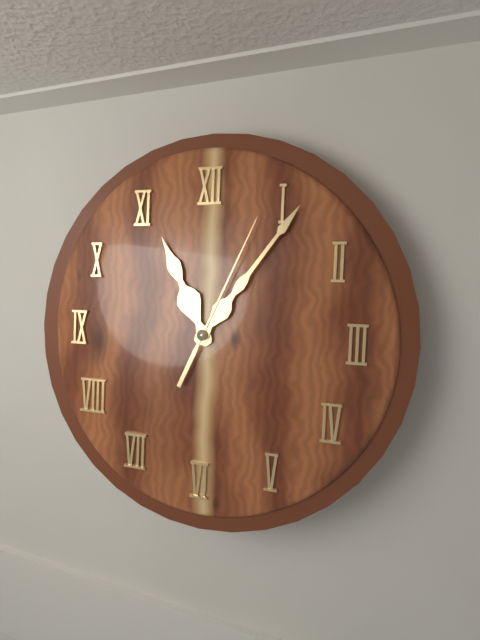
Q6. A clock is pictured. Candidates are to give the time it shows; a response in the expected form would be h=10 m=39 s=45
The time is h=11 m=6 s=4
